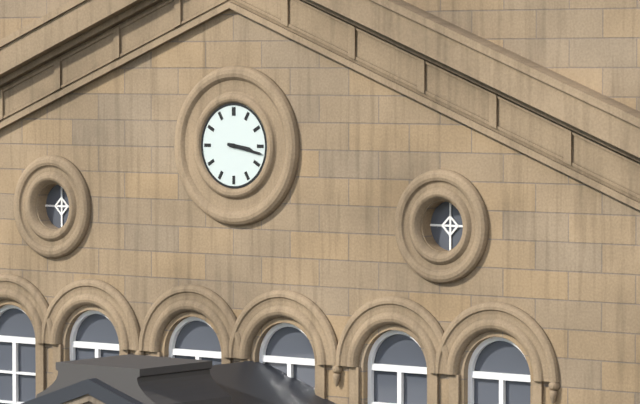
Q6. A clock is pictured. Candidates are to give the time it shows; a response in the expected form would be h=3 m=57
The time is h=3 m=17
